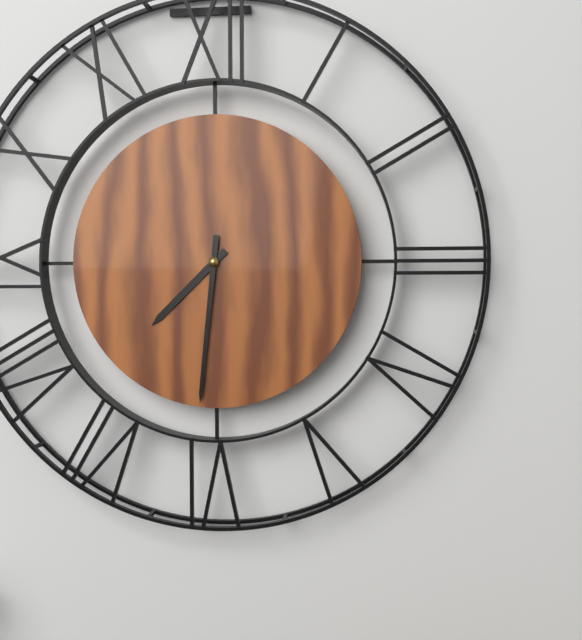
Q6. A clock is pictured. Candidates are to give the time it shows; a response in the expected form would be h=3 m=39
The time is h=7 m=31
